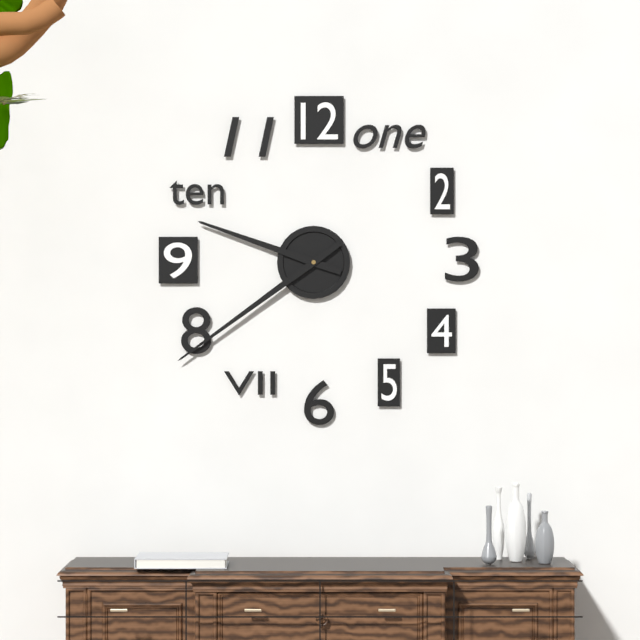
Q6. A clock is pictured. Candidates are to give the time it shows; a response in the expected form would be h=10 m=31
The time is h=9 m=39
